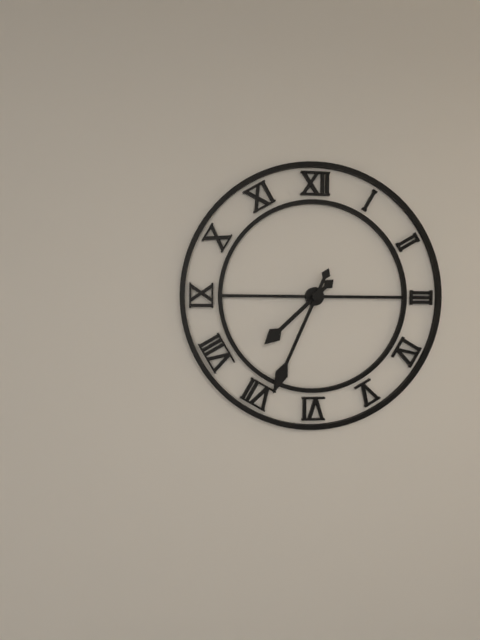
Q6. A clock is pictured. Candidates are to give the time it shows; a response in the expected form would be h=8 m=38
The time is h=7 m=34
